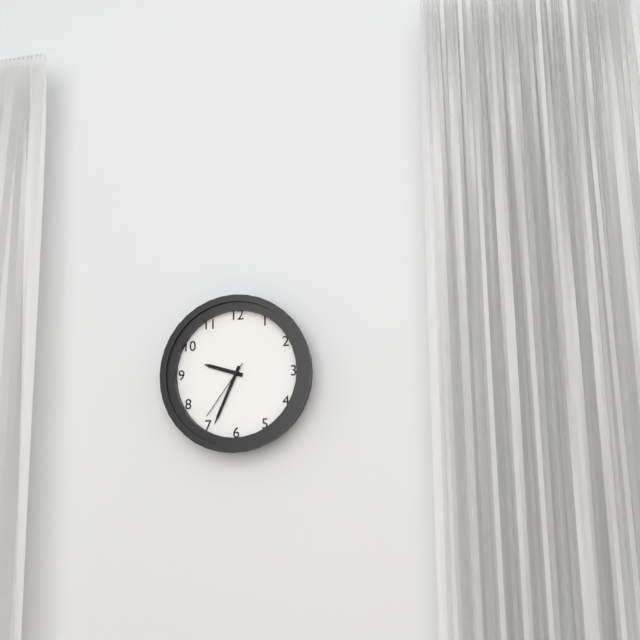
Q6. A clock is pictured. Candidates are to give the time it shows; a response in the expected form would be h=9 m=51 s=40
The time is h=9 m=34 s=36
